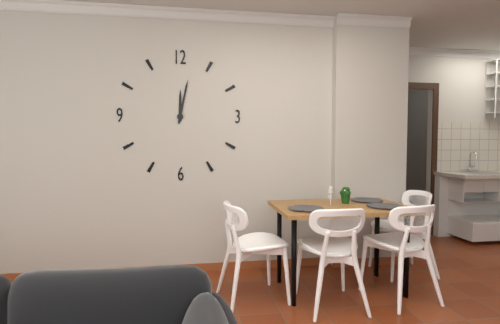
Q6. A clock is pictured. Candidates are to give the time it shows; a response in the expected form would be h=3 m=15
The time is h=12 m=2
